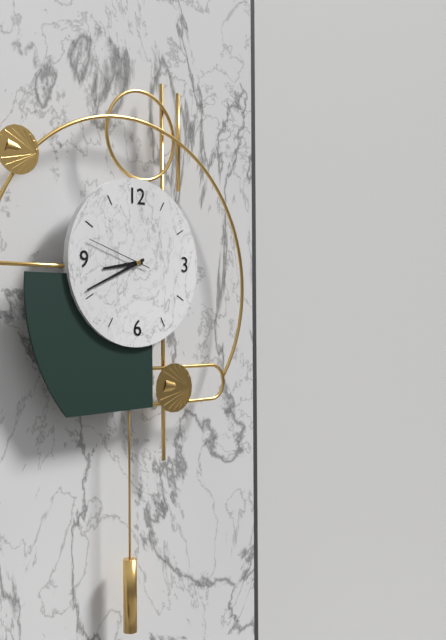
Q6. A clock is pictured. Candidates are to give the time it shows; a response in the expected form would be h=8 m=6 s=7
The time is h=8 m=41 s=48
